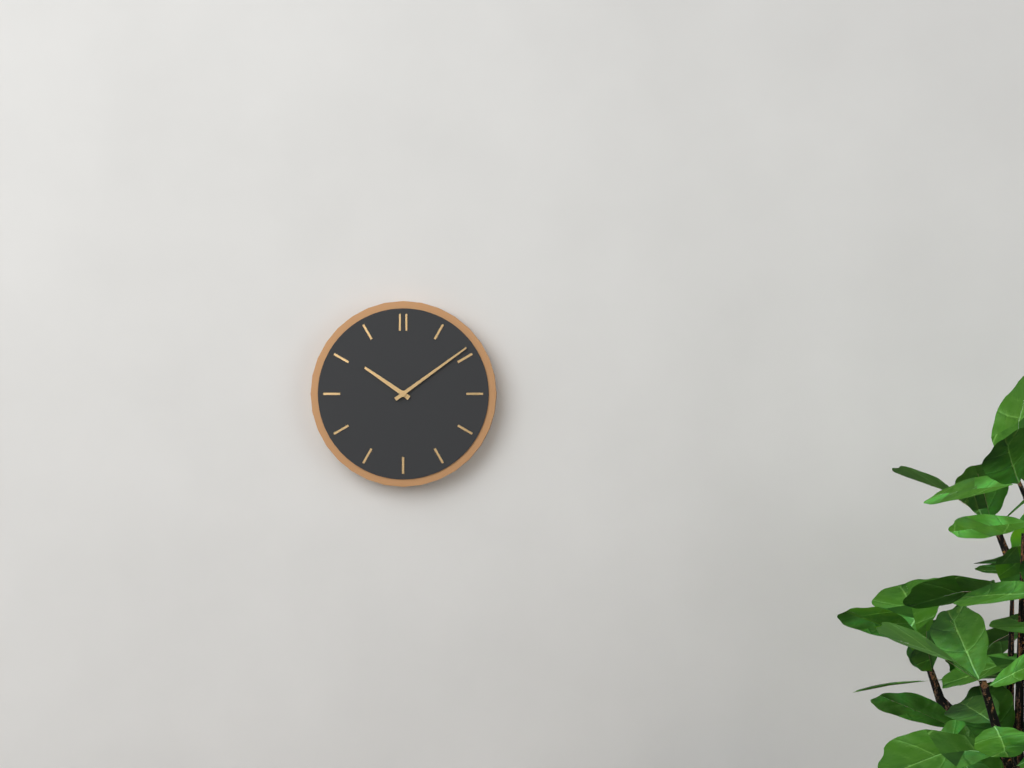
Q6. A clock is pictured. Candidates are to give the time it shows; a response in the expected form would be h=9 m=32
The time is h=10 m=9
